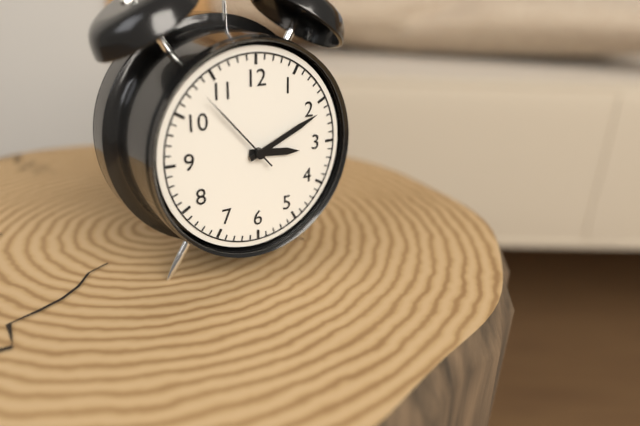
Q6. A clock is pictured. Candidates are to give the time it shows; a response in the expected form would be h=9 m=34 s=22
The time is h=3 m=11 s=53
